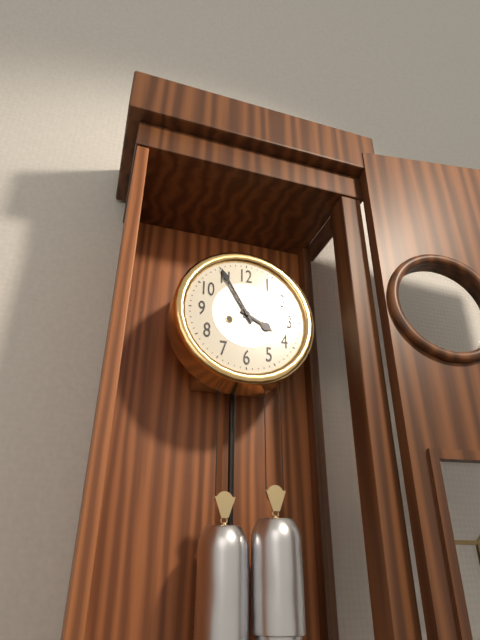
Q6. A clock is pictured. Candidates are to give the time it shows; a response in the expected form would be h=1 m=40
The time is h=3 m=55
